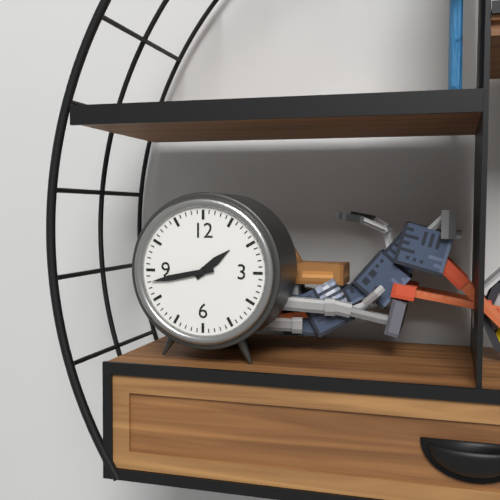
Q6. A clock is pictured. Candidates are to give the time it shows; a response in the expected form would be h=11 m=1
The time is h=1 m=43
